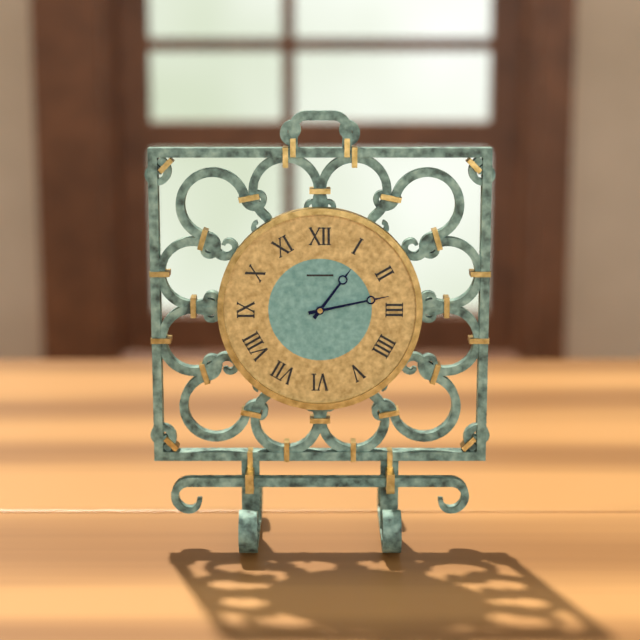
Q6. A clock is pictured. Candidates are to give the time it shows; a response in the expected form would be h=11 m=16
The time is h=1 m=13
